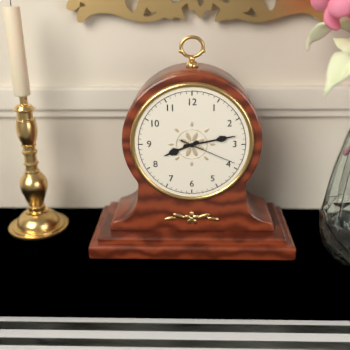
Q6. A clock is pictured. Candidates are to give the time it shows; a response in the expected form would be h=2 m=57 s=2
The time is h=8 m=13 s=19
